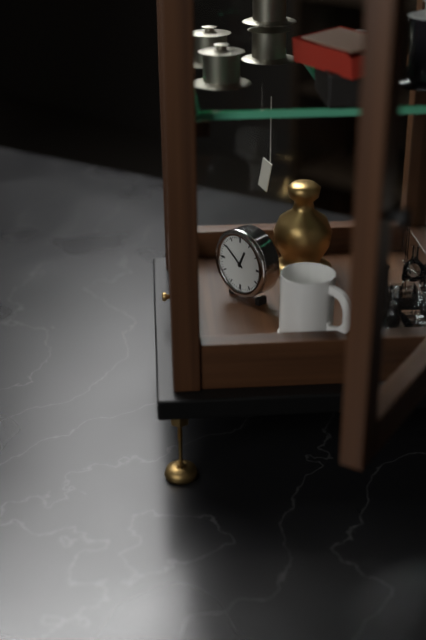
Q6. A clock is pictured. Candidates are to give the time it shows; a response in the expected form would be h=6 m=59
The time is h=12 m=51
